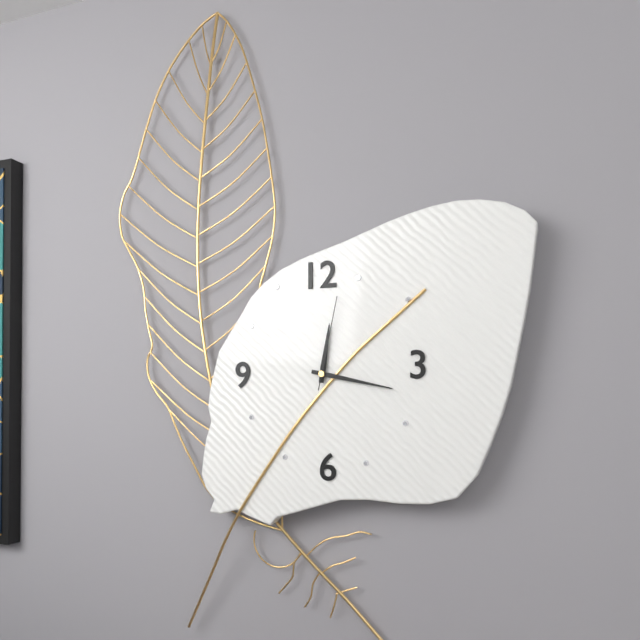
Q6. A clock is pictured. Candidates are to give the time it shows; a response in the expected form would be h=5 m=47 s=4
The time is h=12 m=17 s=2
